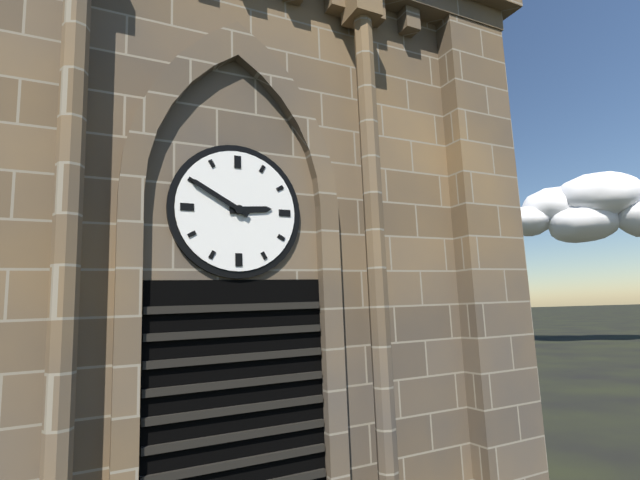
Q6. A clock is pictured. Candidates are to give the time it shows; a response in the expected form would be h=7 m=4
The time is h=2 m=50
